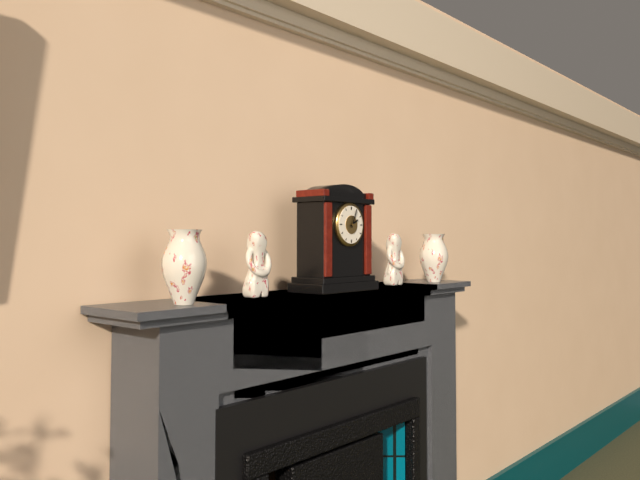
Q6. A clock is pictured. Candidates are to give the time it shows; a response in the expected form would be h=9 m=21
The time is h=2 m=4
